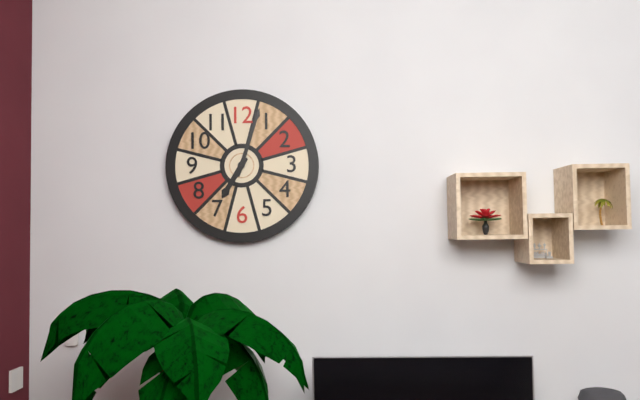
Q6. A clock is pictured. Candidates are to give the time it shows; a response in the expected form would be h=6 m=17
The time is h=7 m=3
